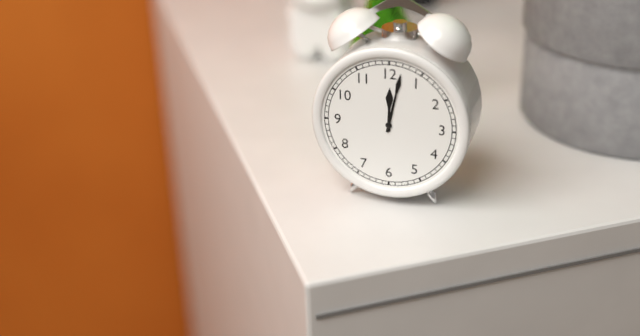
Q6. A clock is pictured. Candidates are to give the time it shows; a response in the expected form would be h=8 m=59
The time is h=12 m=2
